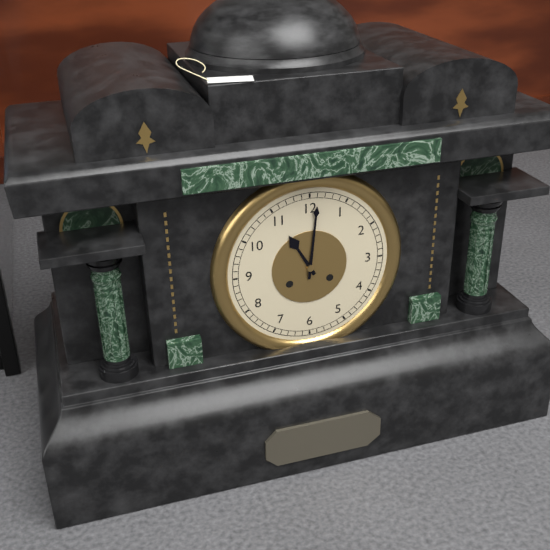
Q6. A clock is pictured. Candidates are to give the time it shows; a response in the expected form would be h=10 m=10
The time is h=11 m=1
